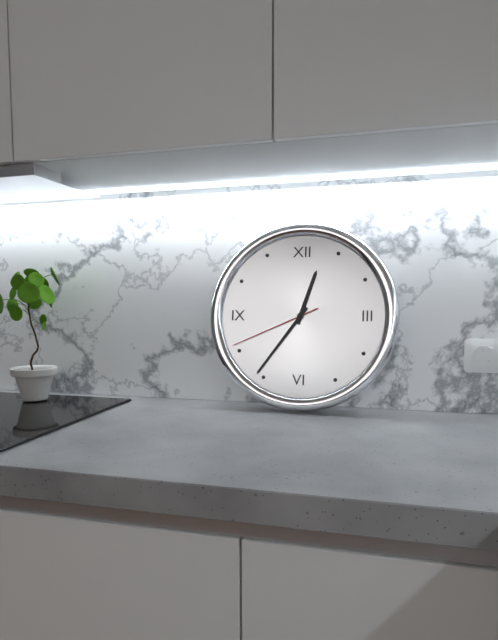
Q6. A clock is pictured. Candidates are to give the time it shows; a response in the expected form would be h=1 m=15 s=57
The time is h=12 m=36 s=41
